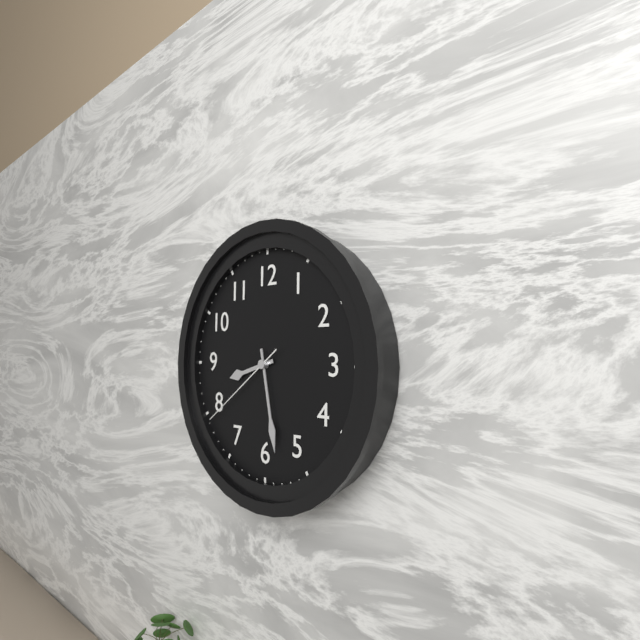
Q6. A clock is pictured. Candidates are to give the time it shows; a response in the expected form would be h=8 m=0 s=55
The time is h=8 m=28 s=39
